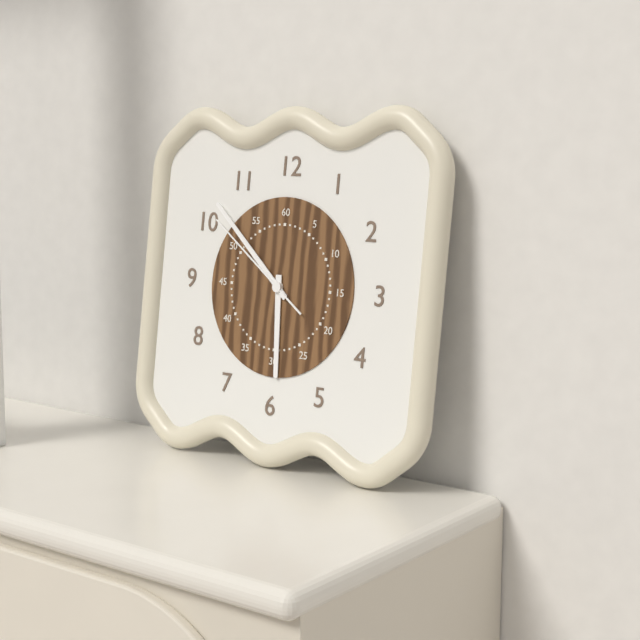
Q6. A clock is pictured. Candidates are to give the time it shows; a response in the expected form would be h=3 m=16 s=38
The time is h=5 m=52 s=51
